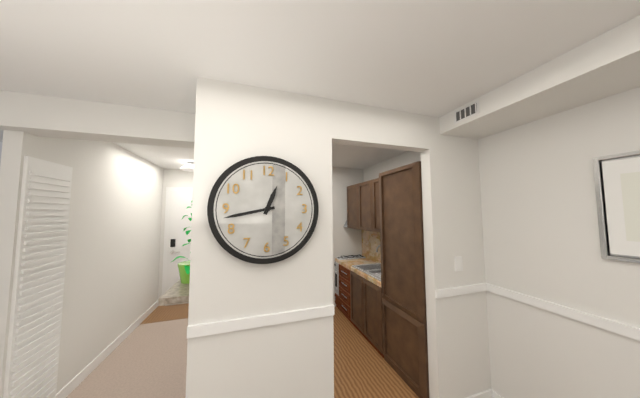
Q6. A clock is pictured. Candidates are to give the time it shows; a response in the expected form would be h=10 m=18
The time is h=12 m=43
